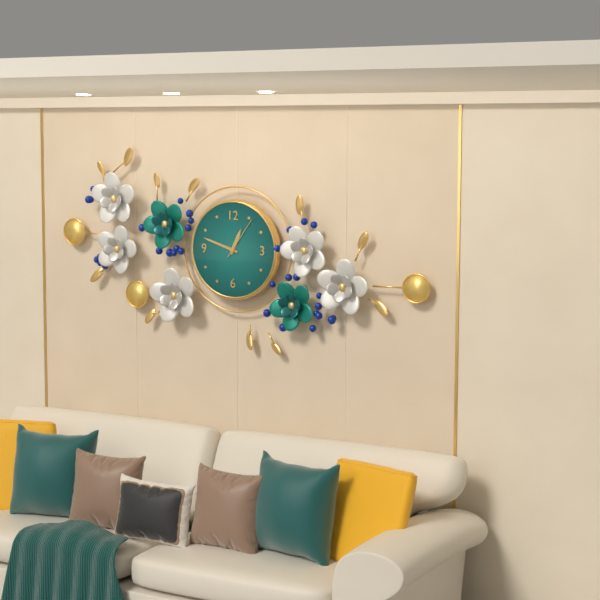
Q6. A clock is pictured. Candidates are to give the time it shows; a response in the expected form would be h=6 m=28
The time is h=12 m=48
